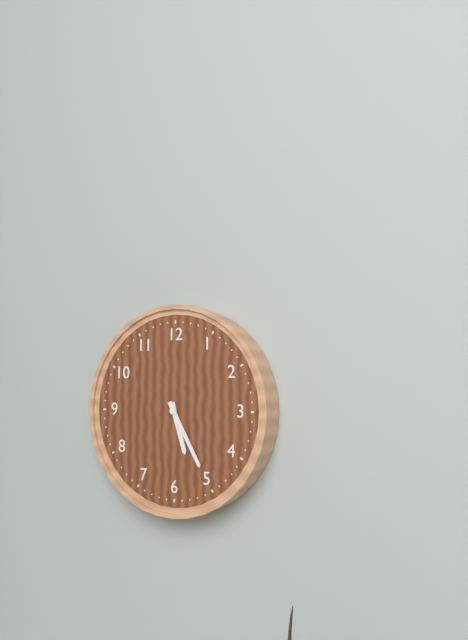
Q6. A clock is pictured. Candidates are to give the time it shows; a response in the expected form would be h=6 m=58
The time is h=5 m=25
